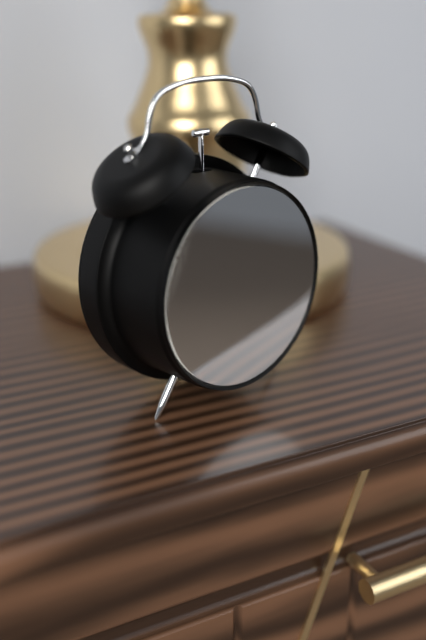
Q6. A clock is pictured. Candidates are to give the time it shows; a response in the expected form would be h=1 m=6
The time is h=3 m=18
